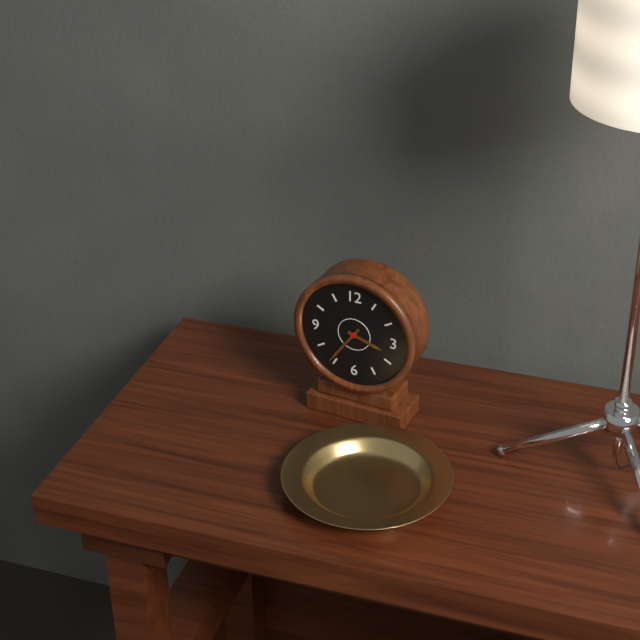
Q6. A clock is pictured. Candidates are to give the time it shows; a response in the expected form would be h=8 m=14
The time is h=3 m=36
